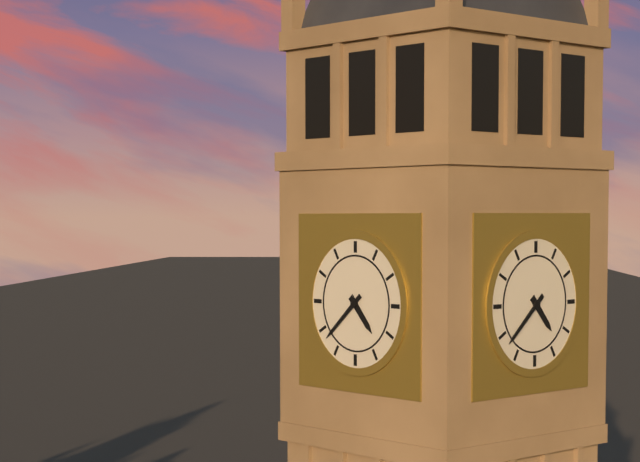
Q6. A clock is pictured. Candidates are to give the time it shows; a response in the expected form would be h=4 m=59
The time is h=4 m=38
